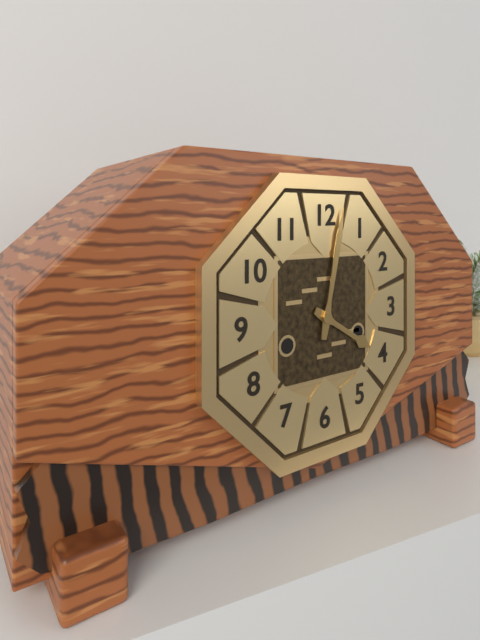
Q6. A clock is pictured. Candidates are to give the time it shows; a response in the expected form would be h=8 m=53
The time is h=4 m=2
